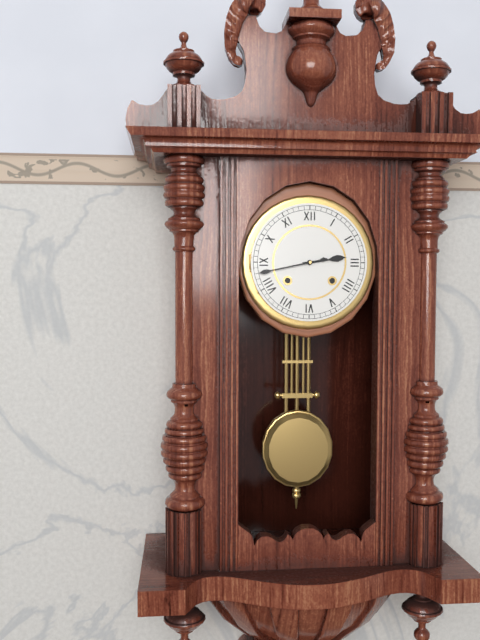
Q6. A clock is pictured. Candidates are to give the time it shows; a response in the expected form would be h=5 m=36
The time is h=2 m=43
